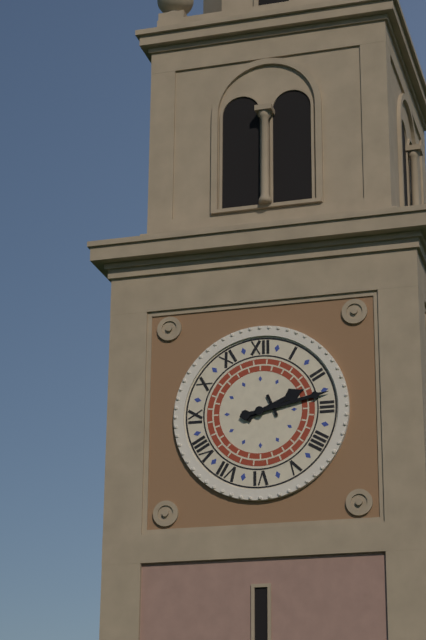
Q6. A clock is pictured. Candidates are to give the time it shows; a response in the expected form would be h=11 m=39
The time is h=2 m=13
